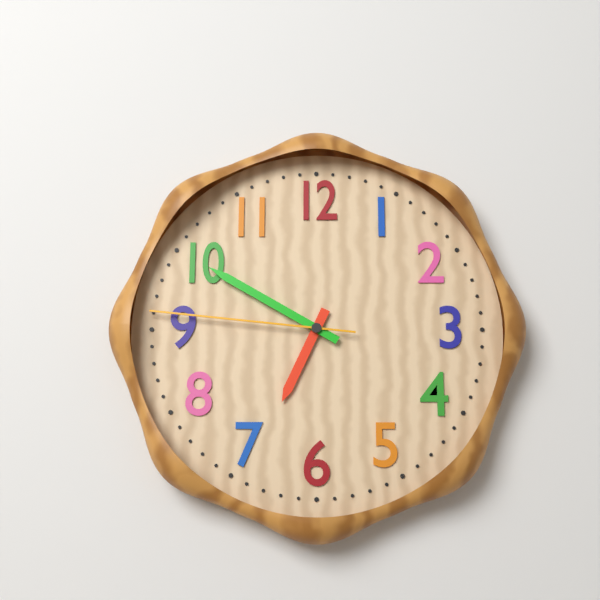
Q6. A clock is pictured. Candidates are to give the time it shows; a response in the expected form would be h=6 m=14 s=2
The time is h=6 m=50 s=46
